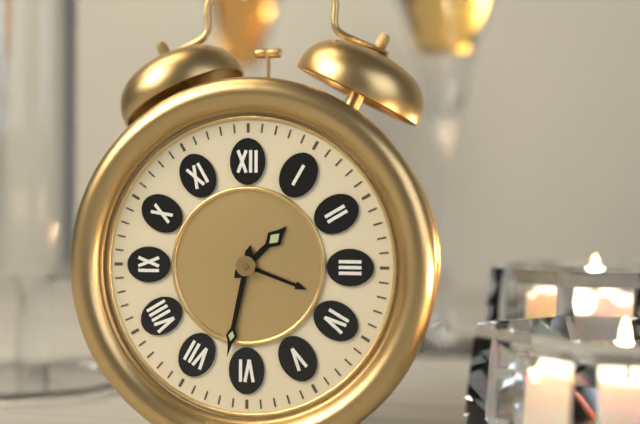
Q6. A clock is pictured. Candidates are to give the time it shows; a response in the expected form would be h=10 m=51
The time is h=1 m=32
